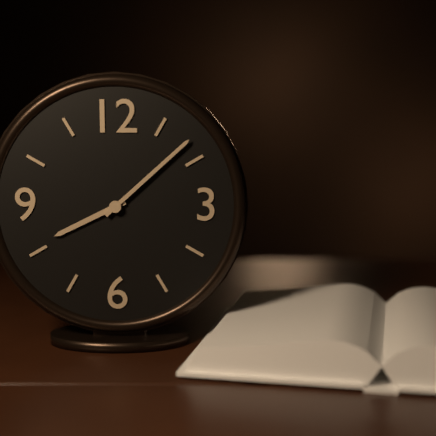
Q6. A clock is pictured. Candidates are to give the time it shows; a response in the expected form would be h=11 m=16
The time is h=8 m=8
